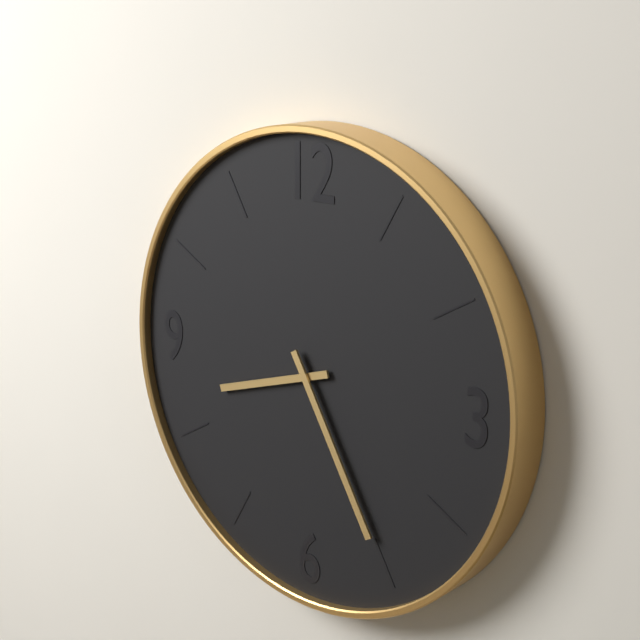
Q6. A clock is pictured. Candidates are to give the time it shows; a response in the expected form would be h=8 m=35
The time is h=8 m=25
